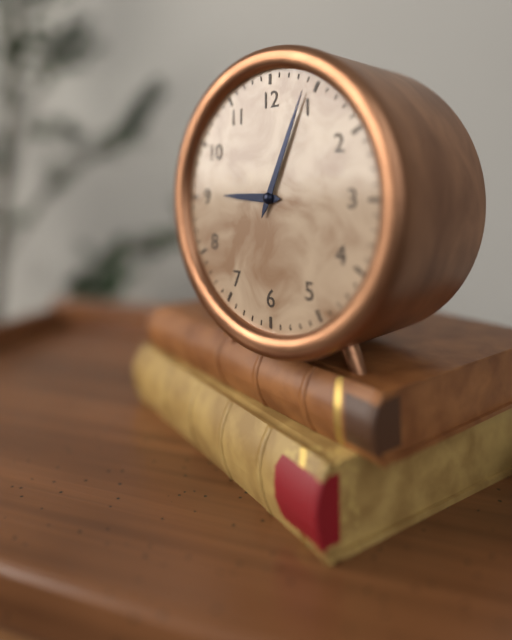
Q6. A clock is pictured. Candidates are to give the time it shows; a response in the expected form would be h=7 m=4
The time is h=9 m=4
